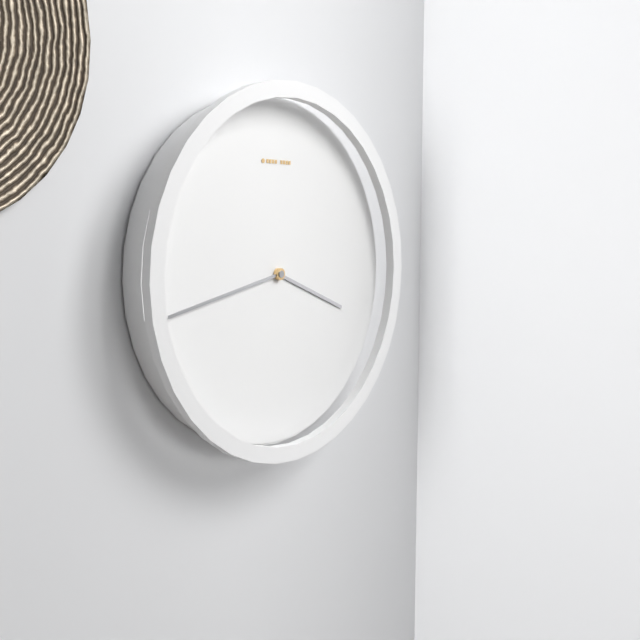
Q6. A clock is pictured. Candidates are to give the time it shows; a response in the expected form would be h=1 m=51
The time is h=3 m=43
